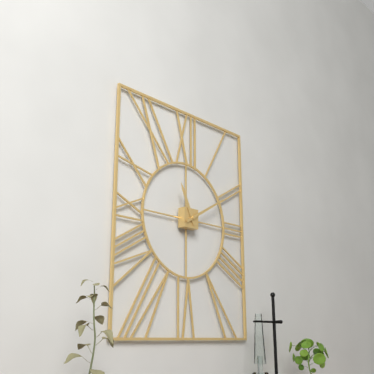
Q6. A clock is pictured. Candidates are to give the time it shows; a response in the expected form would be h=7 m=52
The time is h=11 m=10
